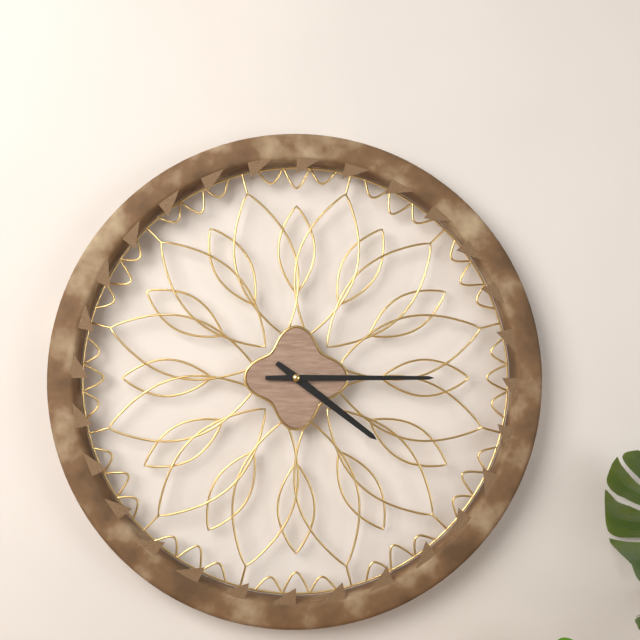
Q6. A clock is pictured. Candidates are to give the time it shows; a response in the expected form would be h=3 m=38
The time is h=4 m=15
